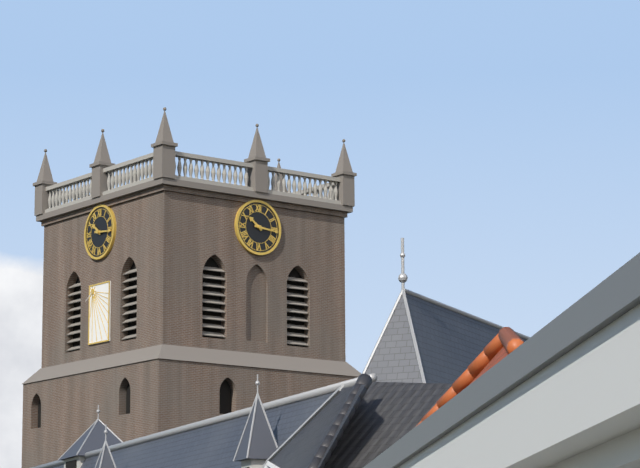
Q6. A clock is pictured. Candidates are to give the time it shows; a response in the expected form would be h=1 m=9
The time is h=10 m=16
